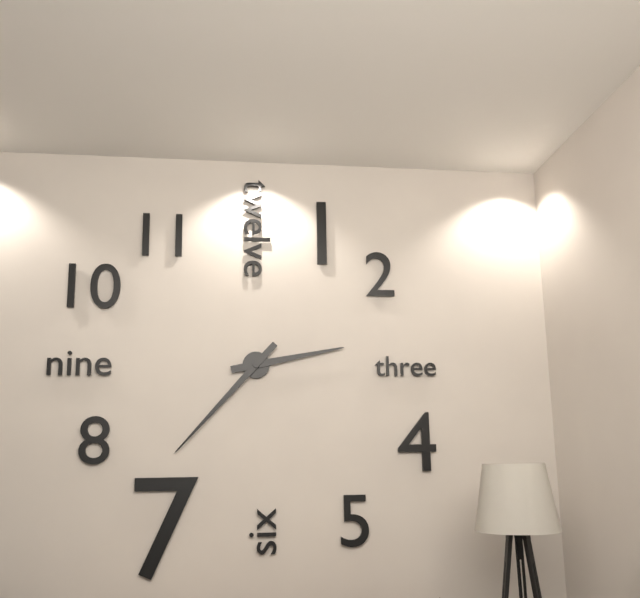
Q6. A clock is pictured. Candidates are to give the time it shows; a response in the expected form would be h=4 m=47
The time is h=2 m=37
